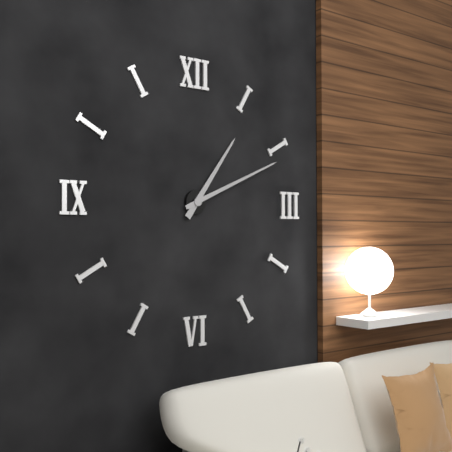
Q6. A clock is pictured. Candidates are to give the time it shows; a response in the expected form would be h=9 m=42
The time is h=1 m=11
